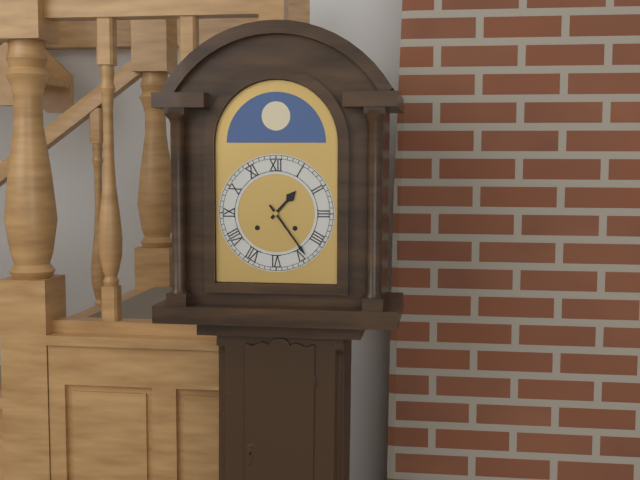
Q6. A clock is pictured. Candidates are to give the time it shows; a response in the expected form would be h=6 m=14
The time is h=1 m=24
